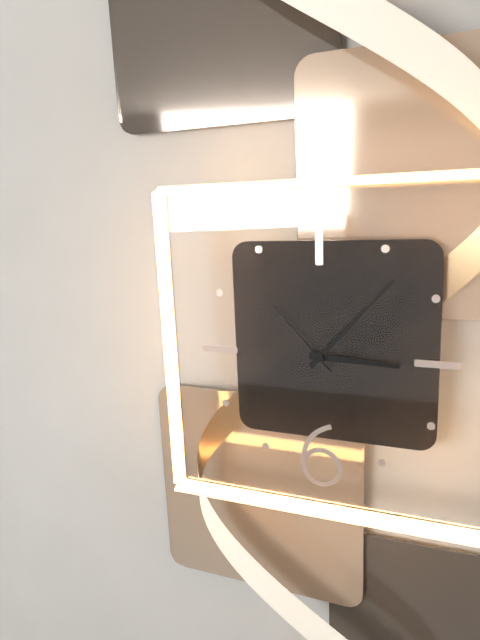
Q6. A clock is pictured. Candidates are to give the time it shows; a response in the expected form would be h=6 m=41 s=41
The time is h=3 m=7 s=53
